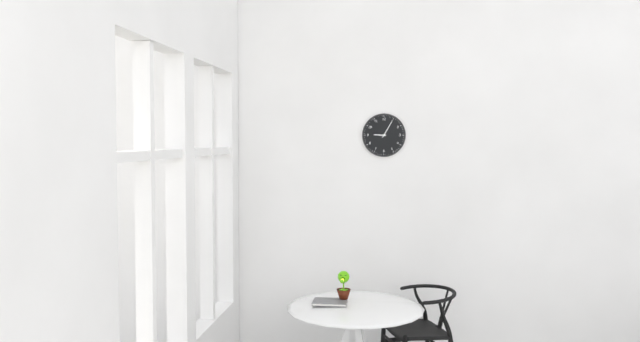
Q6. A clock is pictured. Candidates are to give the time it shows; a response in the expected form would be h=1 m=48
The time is h=9 m=5
